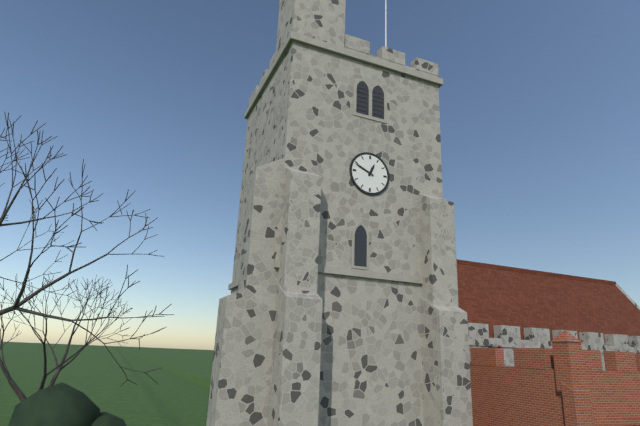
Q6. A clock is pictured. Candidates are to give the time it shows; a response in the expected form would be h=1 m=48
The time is h=12 m=49
